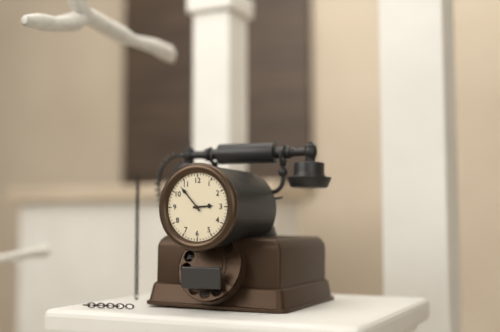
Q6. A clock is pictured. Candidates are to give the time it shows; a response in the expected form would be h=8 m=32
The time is h=2 m=53
